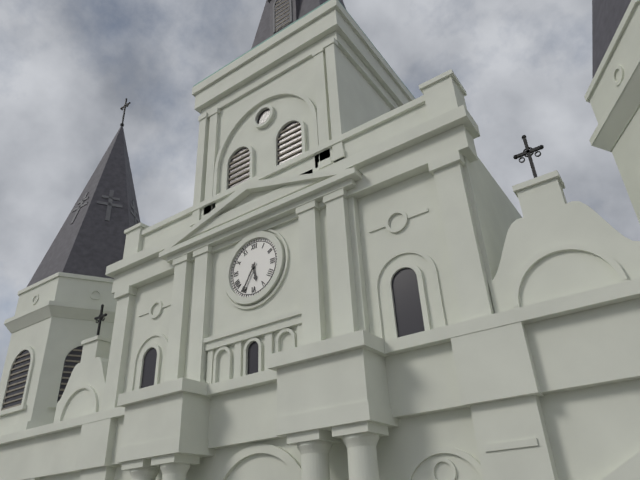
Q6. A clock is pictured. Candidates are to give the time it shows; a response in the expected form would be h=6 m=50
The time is h=5 m=35
